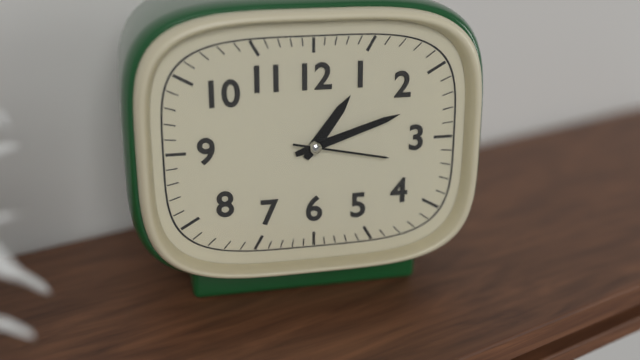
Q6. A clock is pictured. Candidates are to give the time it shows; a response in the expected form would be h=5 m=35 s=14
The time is h=1 m=12 s=17
